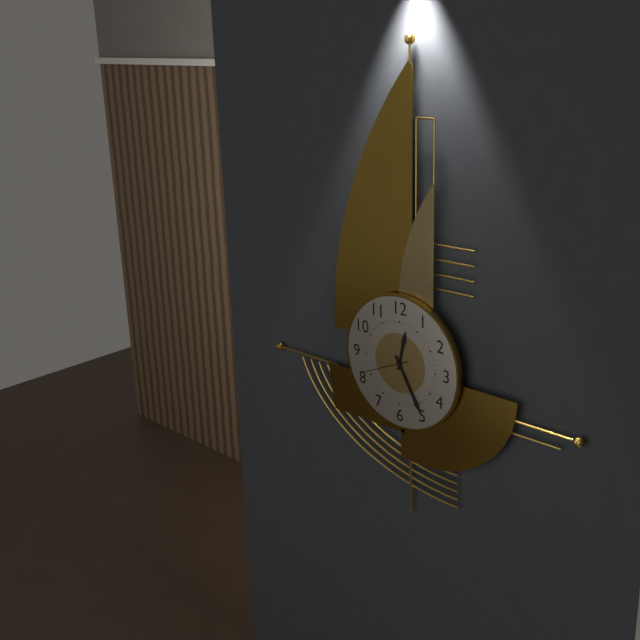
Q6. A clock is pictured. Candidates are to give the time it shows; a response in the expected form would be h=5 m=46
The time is h=12 m=25
